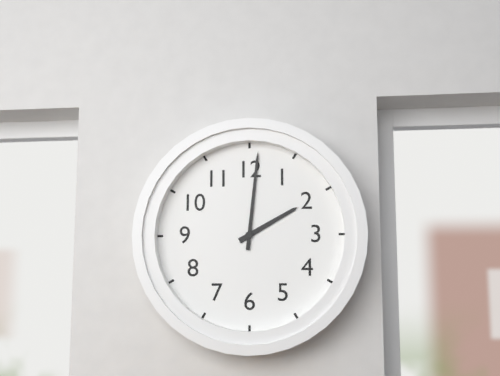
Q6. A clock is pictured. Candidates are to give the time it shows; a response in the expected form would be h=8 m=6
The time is h=2 m=1
